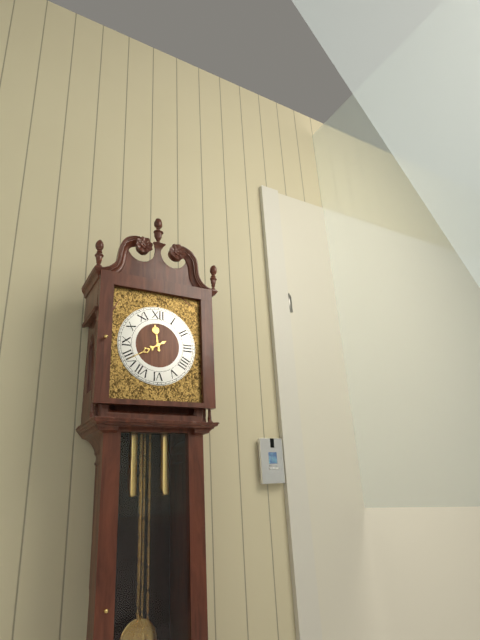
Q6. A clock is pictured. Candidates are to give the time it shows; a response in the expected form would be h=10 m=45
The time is h=11 m=40
